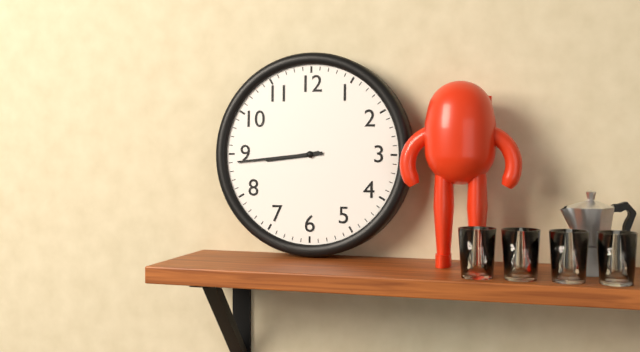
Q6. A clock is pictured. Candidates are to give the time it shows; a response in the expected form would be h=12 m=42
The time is h=8 m=44
